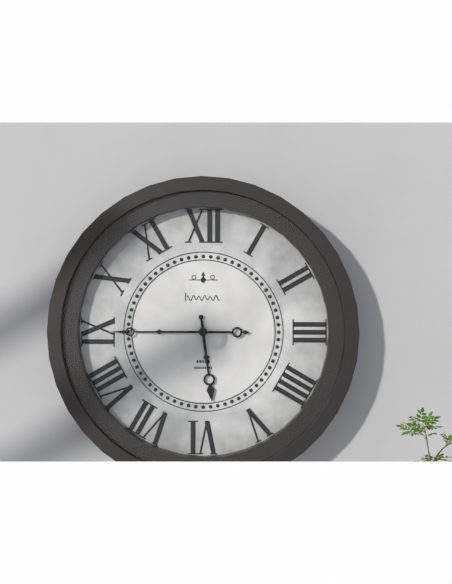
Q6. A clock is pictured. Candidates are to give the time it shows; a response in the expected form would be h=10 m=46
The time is h=5 m=45
